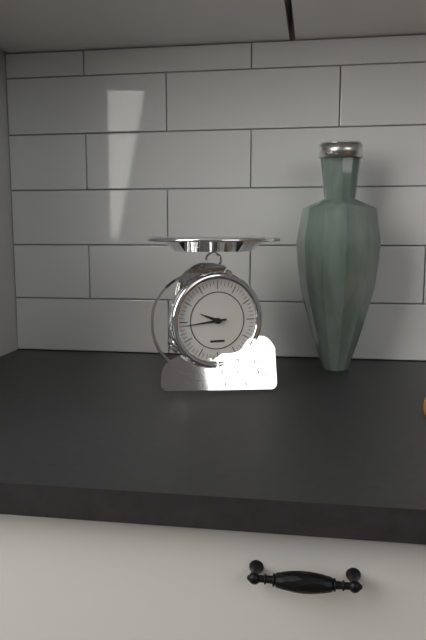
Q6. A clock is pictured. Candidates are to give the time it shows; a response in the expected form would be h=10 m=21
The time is h=9 m=44
